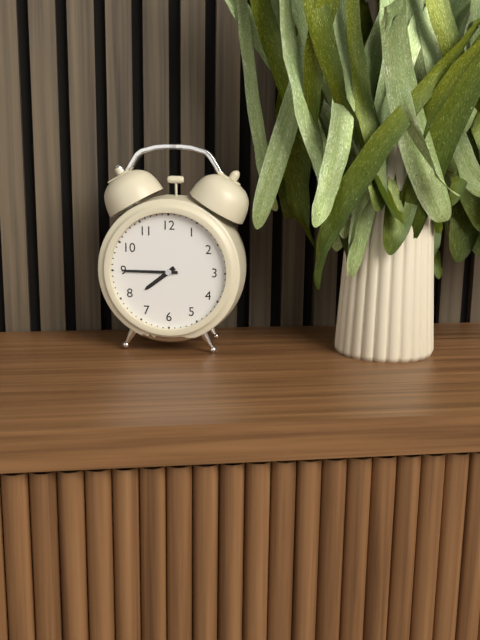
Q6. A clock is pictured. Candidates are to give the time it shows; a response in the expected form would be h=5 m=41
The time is h=7 m=45
